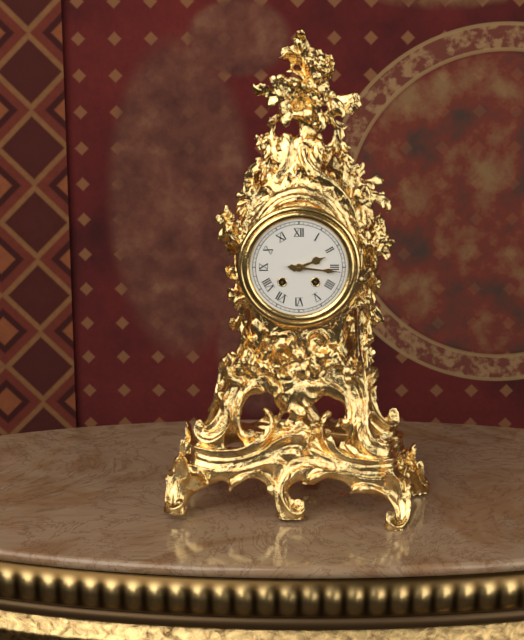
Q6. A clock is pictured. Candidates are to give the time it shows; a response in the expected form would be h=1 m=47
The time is h=2 m=16
